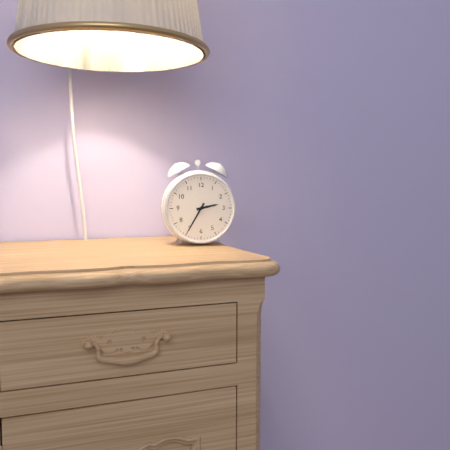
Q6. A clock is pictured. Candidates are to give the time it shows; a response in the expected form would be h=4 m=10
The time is h=2 m=35
